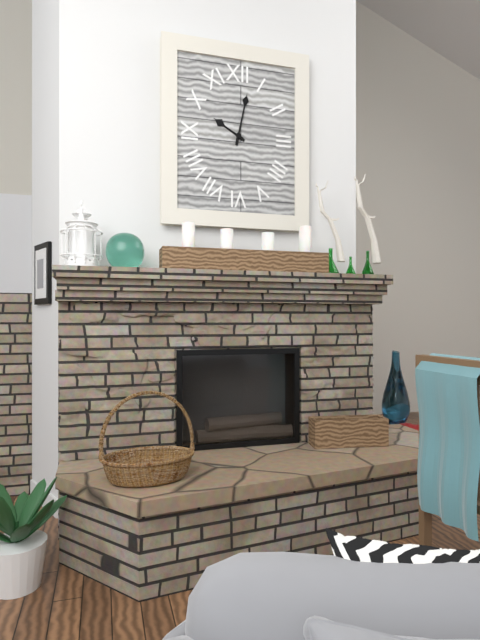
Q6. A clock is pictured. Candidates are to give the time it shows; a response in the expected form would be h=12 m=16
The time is h=10 m=2
